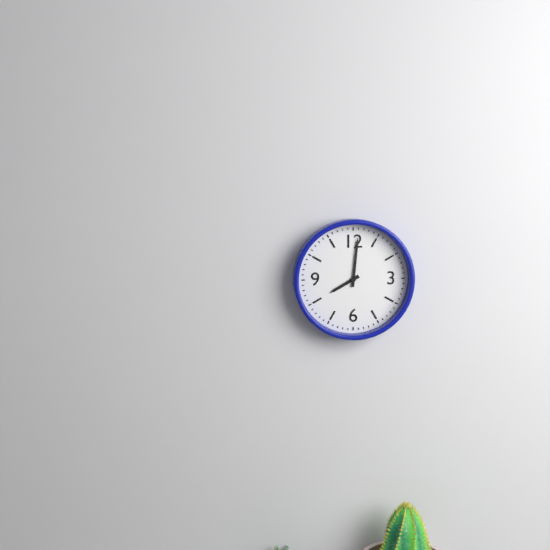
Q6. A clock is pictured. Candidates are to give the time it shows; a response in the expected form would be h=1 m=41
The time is h=8 m=1
